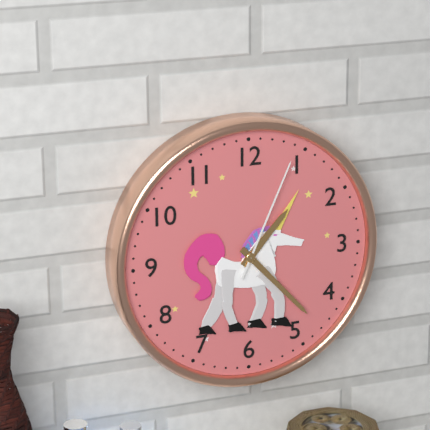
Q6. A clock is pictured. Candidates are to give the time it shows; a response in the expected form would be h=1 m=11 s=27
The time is h=1 m=23 s=4
